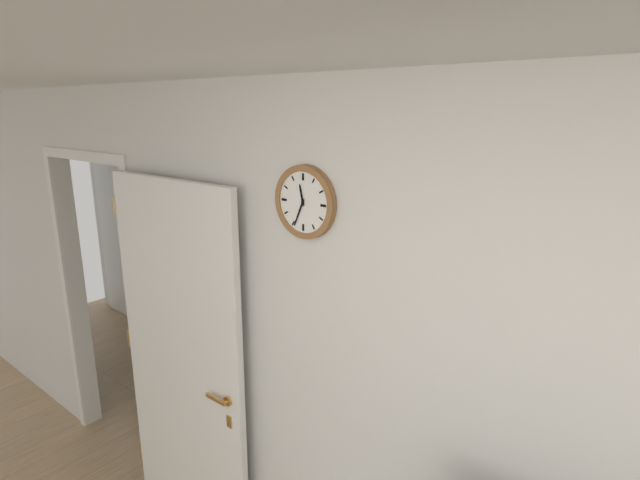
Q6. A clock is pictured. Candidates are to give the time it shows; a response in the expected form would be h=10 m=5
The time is h=11 m=34
